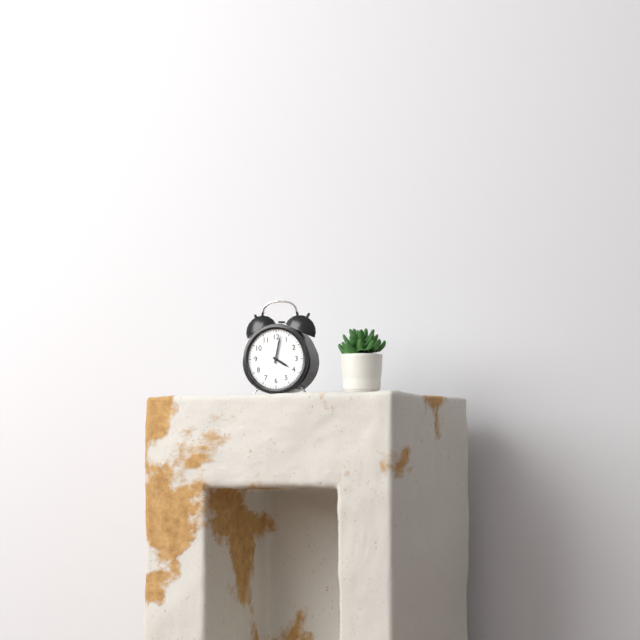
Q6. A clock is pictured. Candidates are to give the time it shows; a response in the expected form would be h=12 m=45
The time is h=4 m=2
